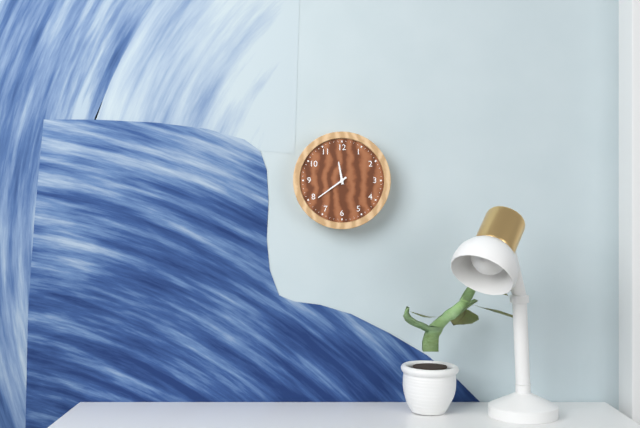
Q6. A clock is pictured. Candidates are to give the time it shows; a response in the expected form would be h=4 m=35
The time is h=11 m=39
